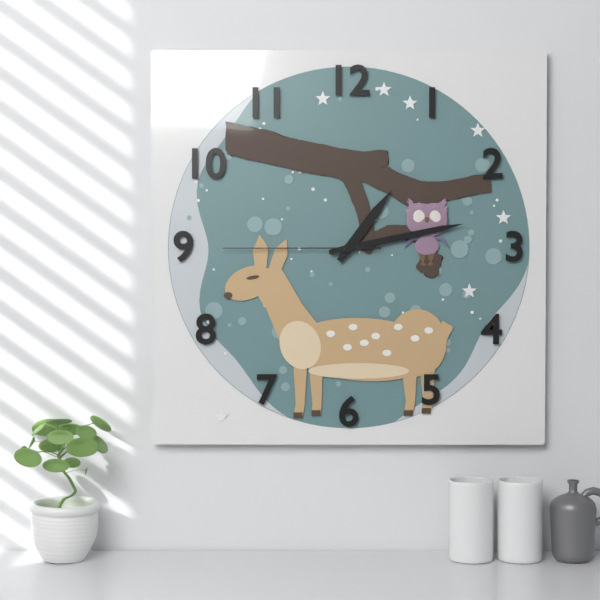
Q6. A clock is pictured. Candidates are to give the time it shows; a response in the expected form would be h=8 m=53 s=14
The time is h=1 m=13 s=45
